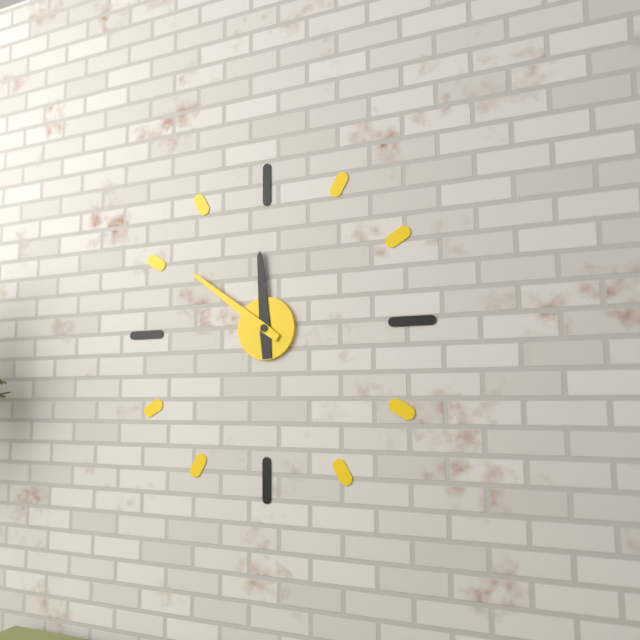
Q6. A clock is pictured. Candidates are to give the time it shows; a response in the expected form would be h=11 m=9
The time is h=11 m=51
